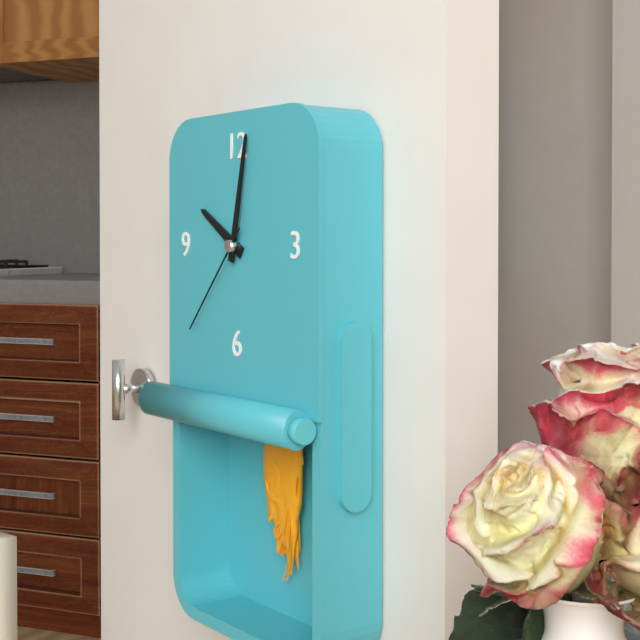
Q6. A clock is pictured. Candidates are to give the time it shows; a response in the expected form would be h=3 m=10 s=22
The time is h=10 m=2 s=37
